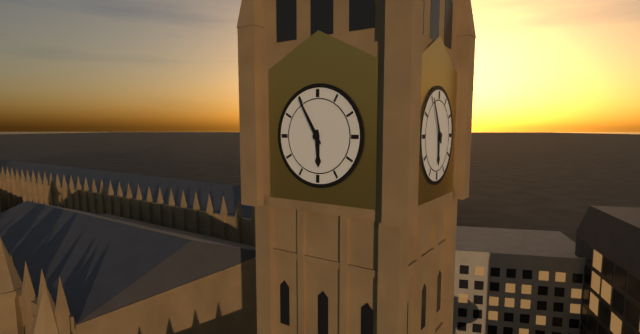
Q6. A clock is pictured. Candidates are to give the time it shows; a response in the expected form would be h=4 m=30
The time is h=5 m=55
